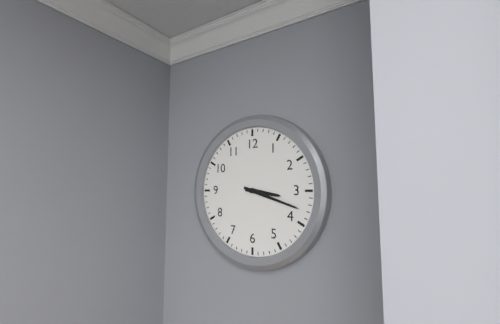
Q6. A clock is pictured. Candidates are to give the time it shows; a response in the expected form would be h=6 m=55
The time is h=3 m=18
